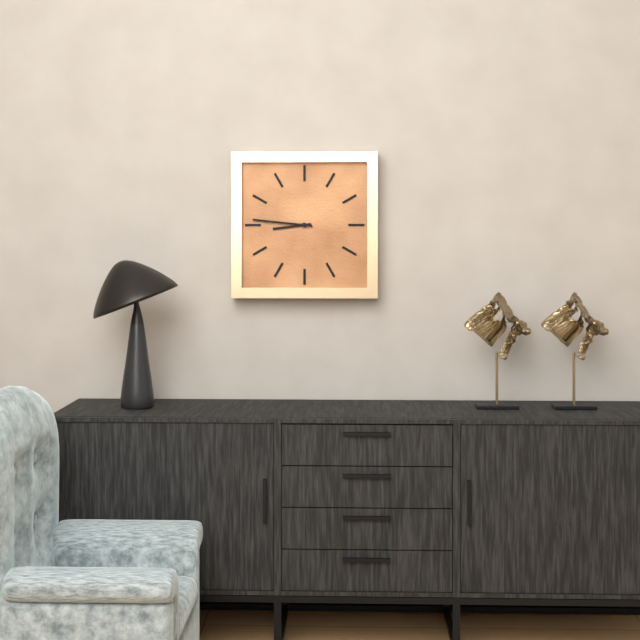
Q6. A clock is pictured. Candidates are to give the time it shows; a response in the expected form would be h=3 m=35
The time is h=8 m=46
